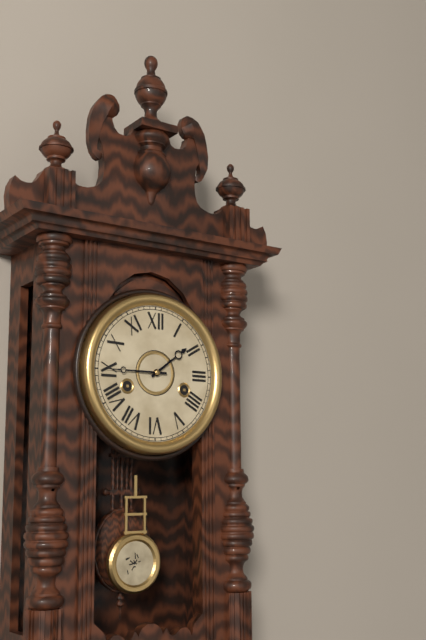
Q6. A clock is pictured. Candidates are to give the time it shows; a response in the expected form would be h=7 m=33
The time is h=1 m=45
